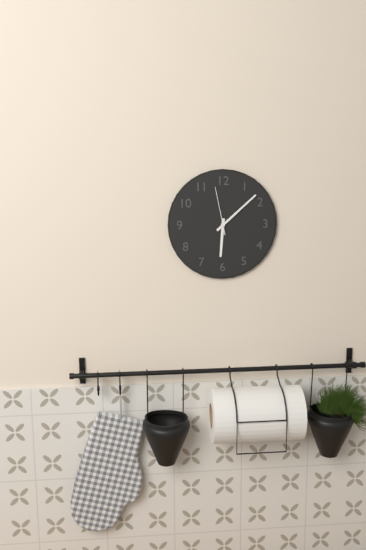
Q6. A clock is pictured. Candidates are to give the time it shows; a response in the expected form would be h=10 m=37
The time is h=6 m=8
